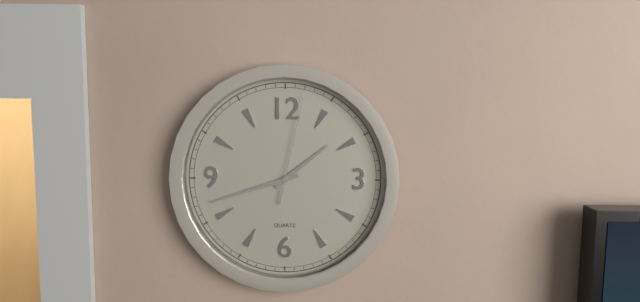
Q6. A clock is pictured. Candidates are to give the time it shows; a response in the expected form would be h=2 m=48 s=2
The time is h=1 m=42 s=2
